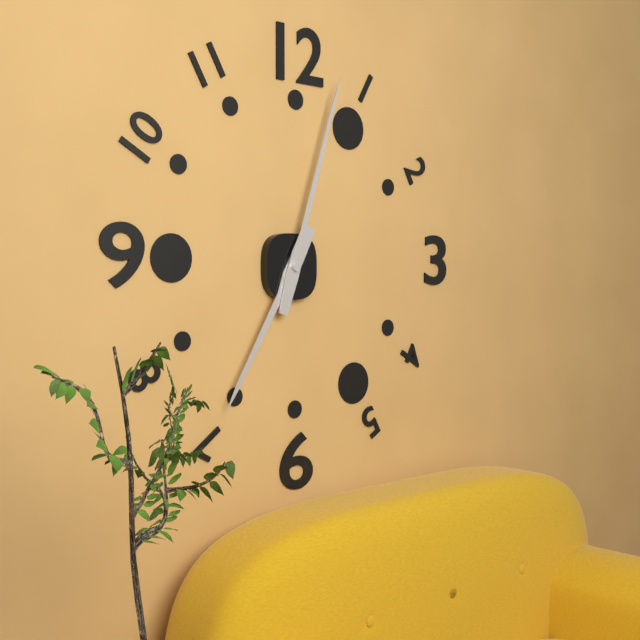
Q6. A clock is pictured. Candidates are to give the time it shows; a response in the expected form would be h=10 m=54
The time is h=7 m=3
